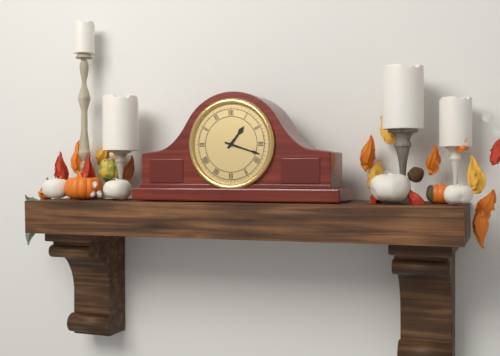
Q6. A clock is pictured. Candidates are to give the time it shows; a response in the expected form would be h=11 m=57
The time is h=1 m=18
